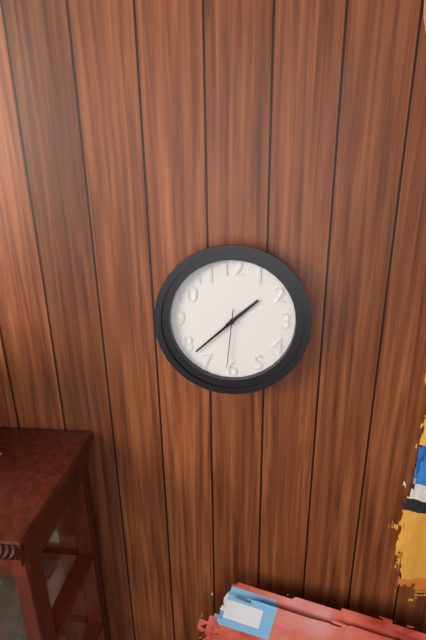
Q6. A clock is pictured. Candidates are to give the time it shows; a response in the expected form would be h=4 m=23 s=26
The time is h=1 m=38 s=31
